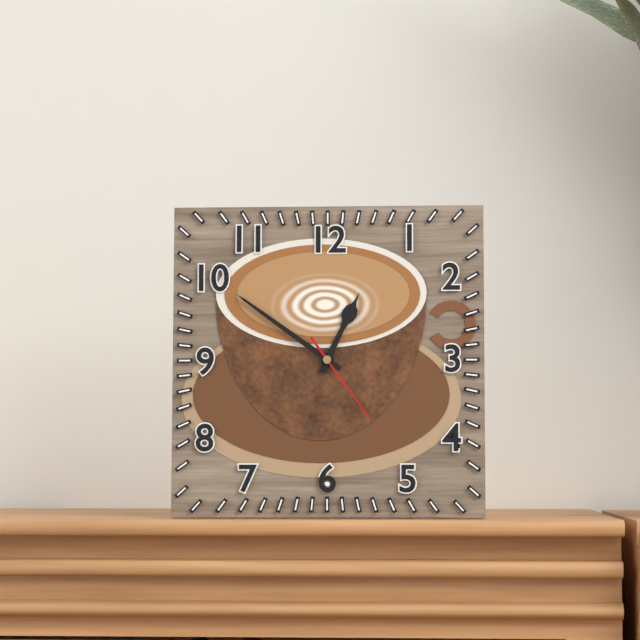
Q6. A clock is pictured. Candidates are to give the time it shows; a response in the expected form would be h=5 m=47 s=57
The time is h=12 m=51 s=24
